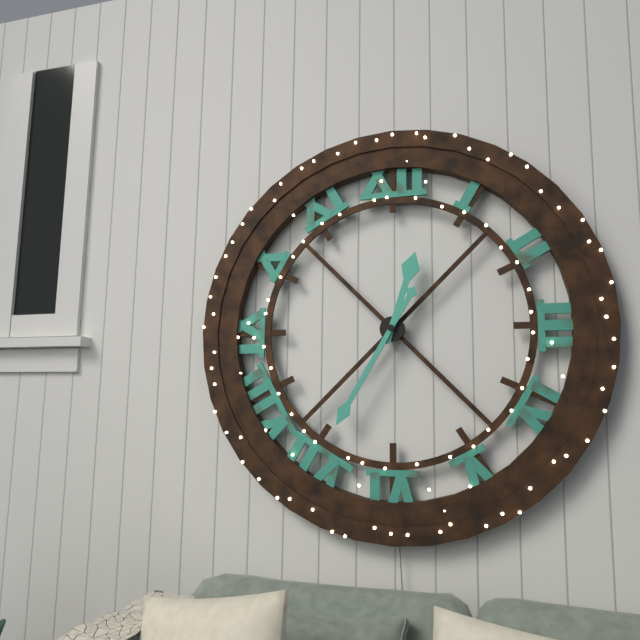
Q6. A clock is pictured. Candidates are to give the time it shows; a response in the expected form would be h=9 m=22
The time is h=12 m=35
